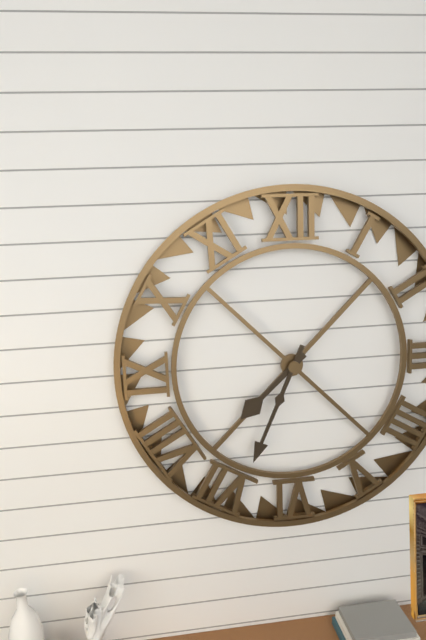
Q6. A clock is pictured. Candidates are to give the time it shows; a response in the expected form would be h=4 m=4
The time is h=7 m=34
